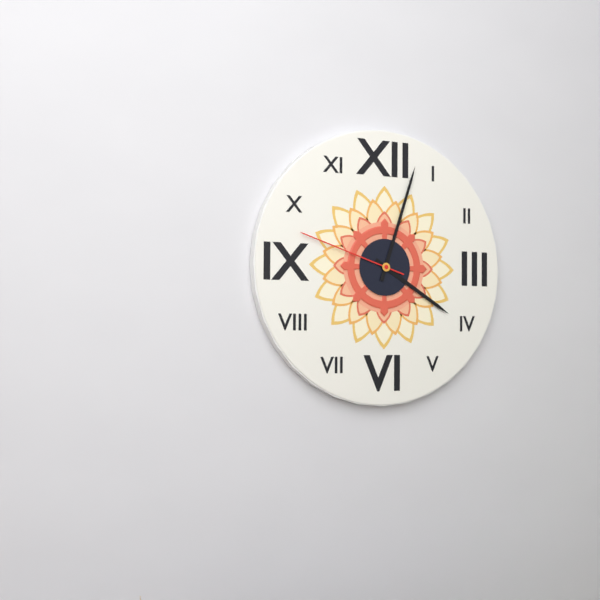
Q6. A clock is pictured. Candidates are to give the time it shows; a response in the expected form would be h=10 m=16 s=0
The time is h=4 m=3 s=48
